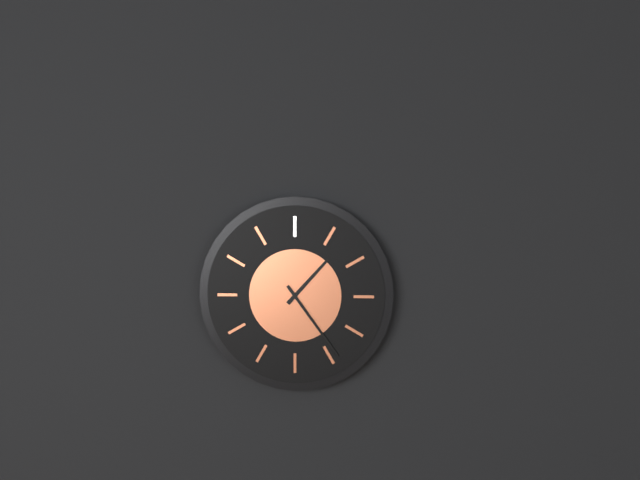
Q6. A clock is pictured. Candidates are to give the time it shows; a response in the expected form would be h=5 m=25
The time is h=1 m=24
